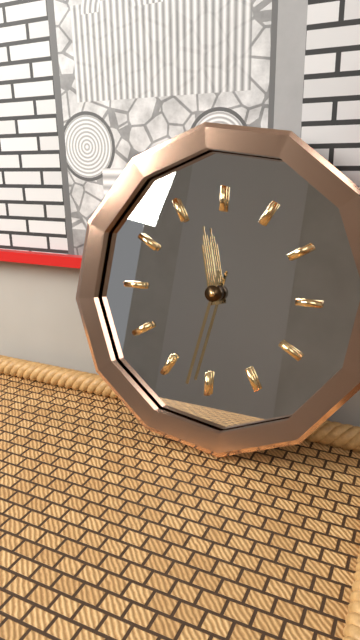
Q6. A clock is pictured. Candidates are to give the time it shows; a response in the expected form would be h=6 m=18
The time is h=11 m=32
